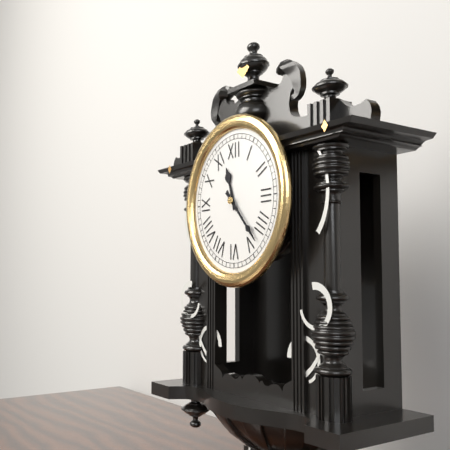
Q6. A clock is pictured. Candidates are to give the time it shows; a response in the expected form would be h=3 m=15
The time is h=11 m=23
